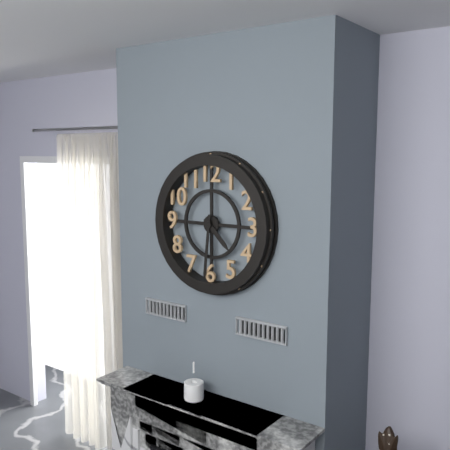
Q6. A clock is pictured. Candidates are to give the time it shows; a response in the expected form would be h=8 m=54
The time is h=4 m=31
